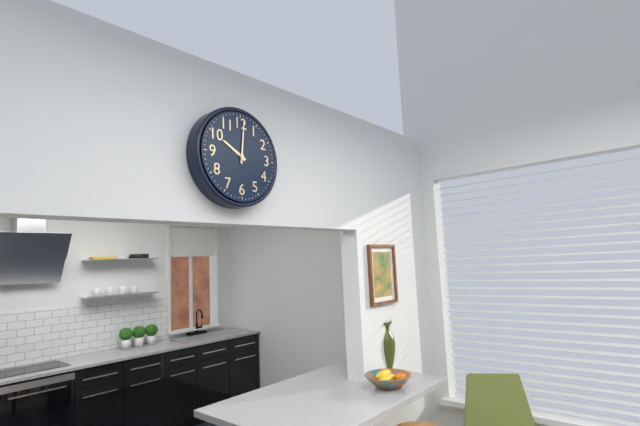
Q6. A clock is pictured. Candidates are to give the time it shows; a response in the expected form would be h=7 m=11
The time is h=10 m=1
